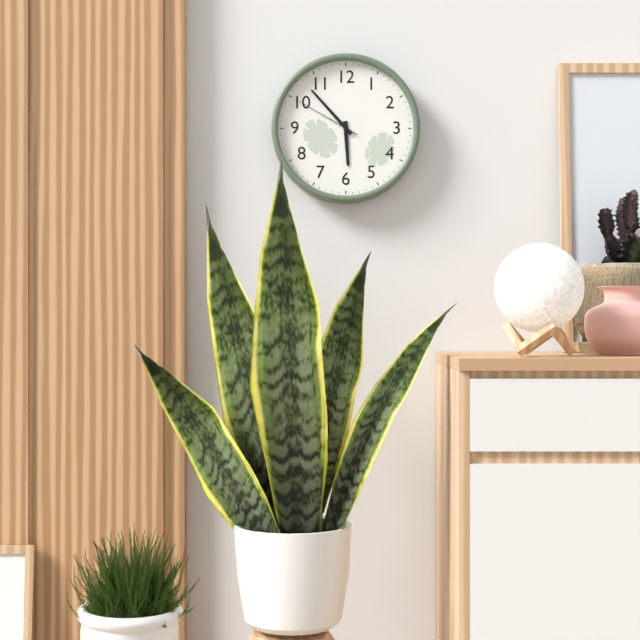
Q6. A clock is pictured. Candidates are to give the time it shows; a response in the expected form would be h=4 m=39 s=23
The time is h=5 m=53 s=50
